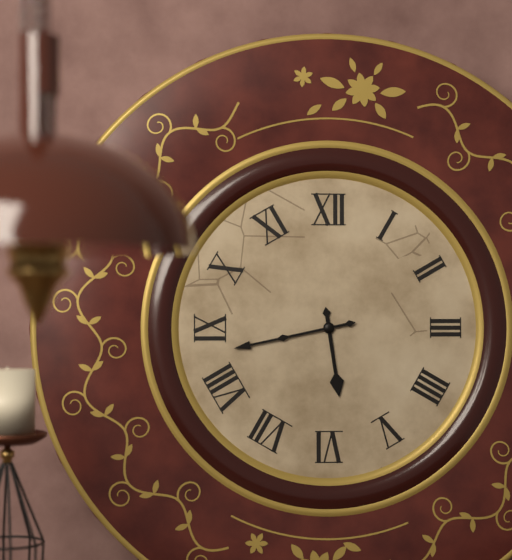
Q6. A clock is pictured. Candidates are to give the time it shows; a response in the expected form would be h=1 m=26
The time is h=5 m=43
